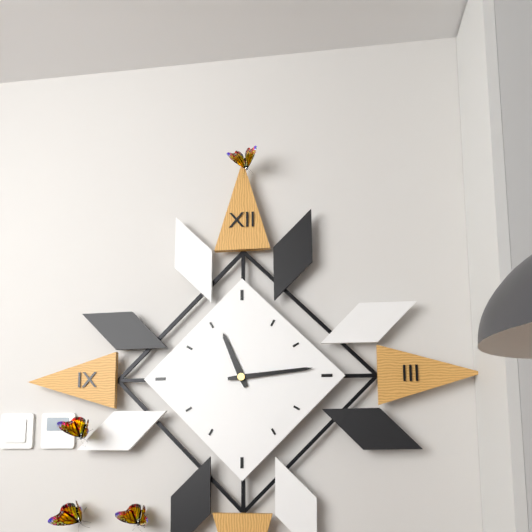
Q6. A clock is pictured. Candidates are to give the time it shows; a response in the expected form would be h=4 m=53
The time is h=11 m=14
